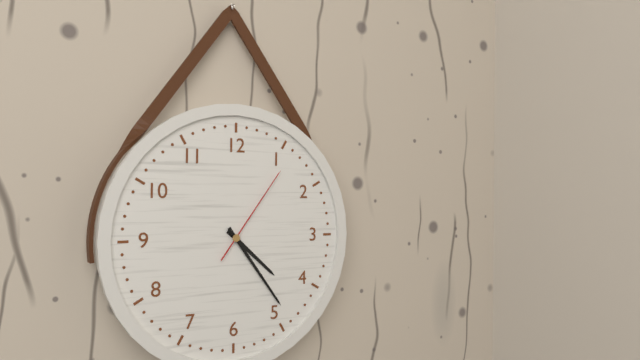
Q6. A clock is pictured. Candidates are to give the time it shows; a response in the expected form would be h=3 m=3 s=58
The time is h=4 m=24 s=6
